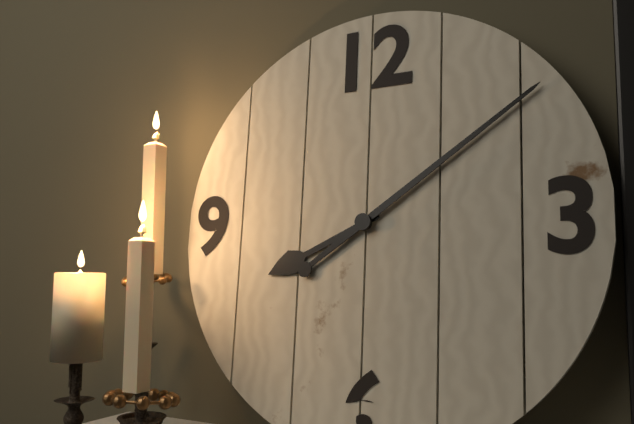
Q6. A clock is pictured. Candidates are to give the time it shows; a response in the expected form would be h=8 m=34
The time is h=8 m=9
